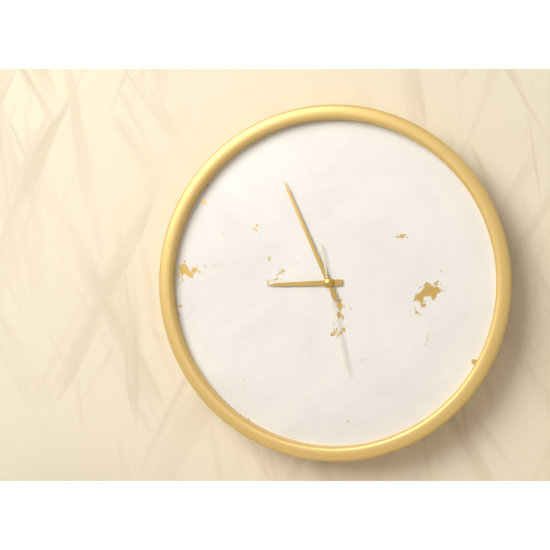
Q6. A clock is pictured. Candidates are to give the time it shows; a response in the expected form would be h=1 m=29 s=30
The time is h=8 m=56 s=28
